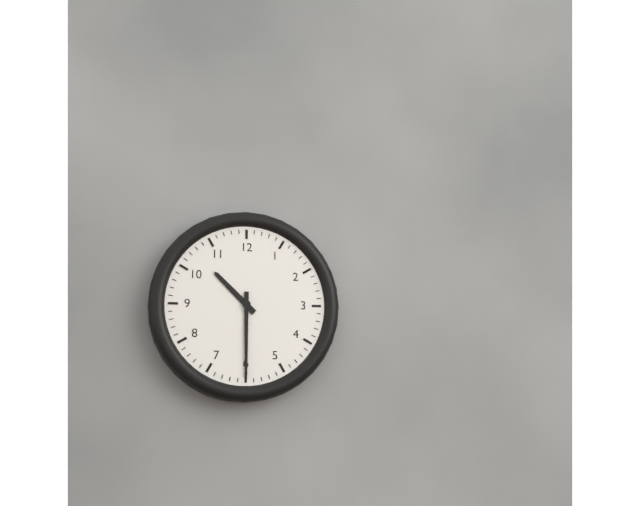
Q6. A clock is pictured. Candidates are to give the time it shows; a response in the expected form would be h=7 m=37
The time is h=10 m=30
